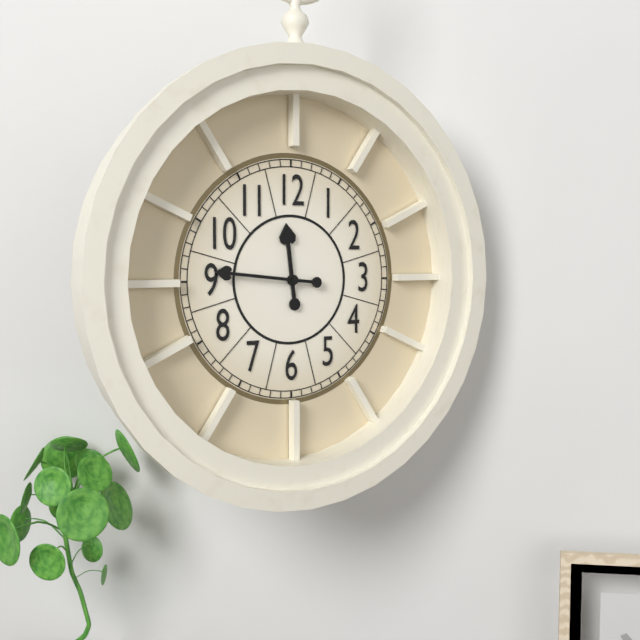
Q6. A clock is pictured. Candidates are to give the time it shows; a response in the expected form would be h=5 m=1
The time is h=11 m=46
